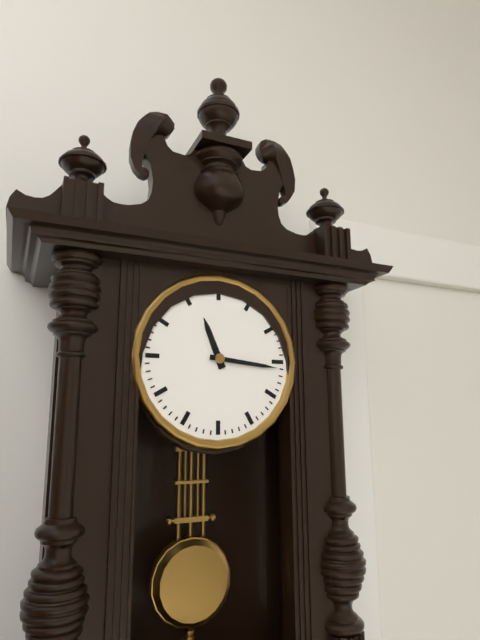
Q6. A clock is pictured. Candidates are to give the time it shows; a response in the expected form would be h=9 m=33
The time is h=11 m=16
